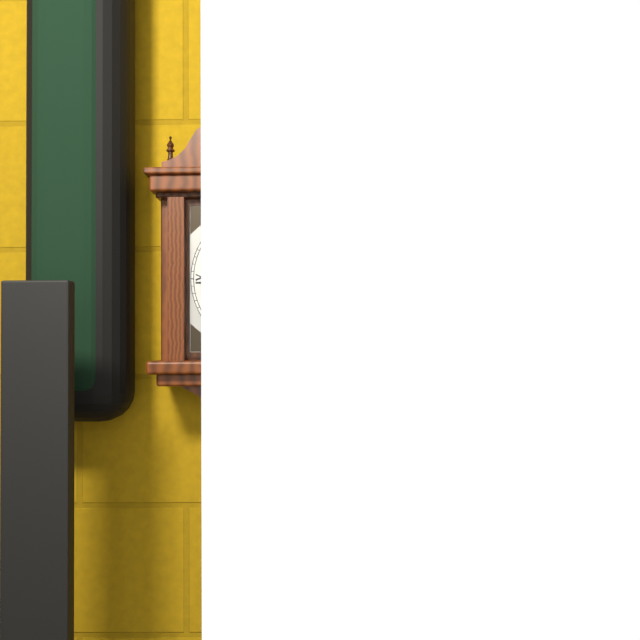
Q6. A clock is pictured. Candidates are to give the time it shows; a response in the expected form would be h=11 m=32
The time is h=7 m=49
